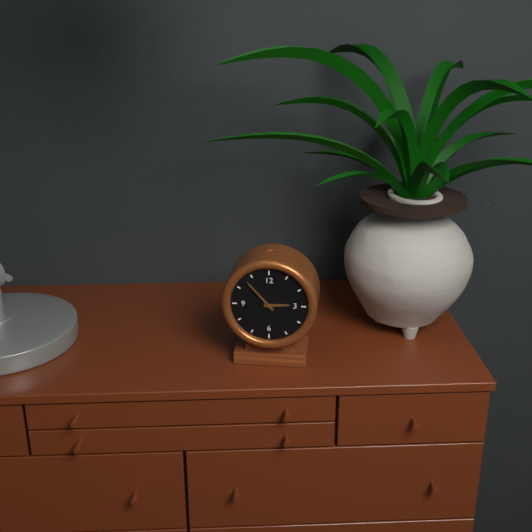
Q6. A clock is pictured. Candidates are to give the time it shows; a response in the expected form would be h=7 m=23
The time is h=2 m=53
